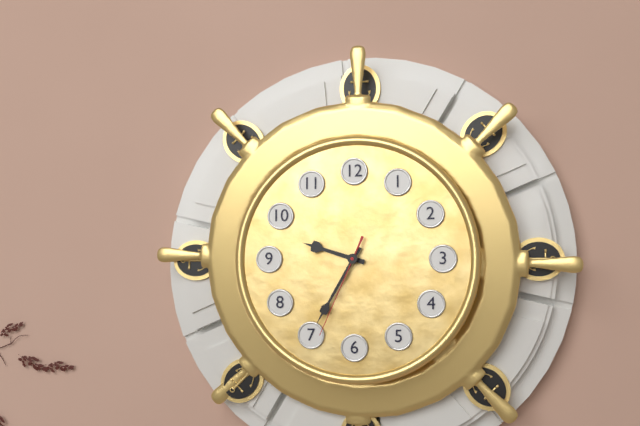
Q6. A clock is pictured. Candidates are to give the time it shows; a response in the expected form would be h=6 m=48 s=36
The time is h=9 m=35 s=34
